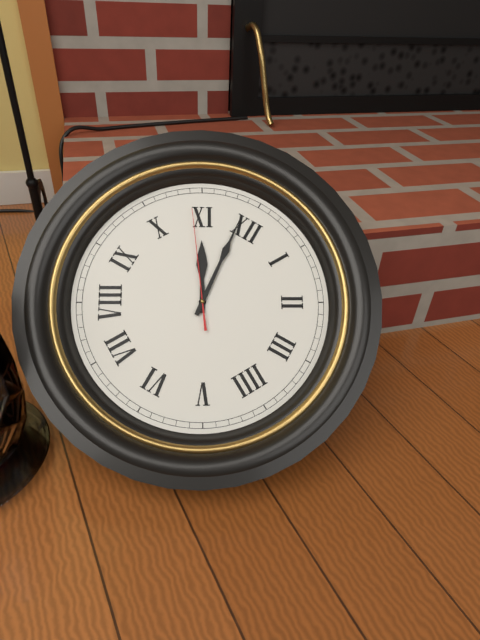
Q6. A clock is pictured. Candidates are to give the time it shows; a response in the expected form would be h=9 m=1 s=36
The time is h=10 m=59 s=54
